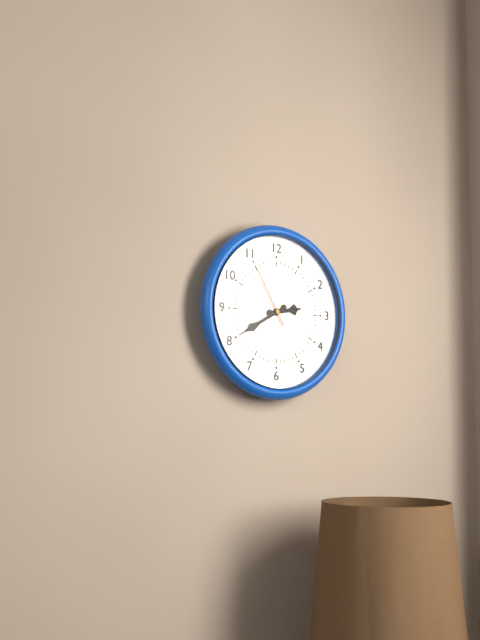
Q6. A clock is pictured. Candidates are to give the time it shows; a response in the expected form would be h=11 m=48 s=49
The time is h=2 m=40 s=55
